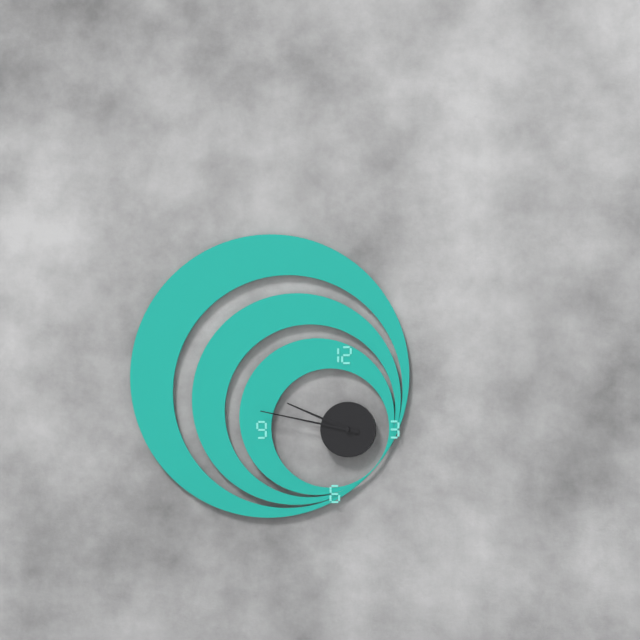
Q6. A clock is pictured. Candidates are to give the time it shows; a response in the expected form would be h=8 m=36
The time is h=9 m=47
